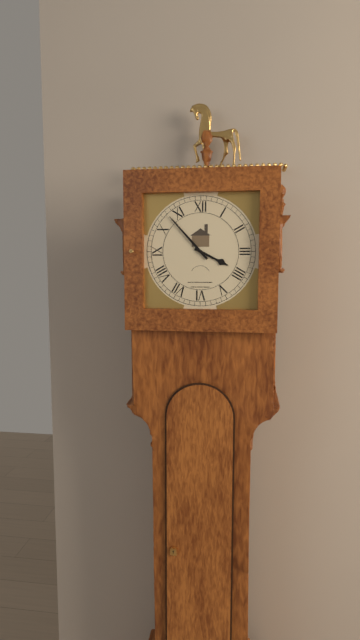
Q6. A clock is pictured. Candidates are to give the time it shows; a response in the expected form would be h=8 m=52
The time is h=3 m=53
